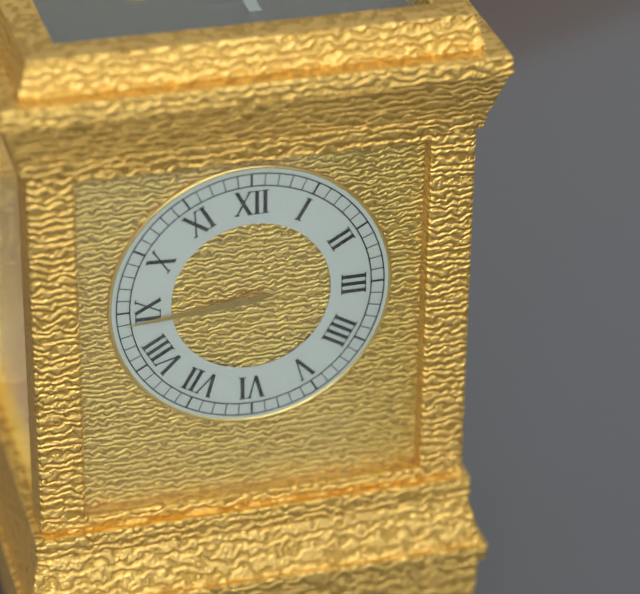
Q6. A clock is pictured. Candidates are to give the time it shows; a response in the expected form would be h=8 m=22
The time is h=8 m=44
